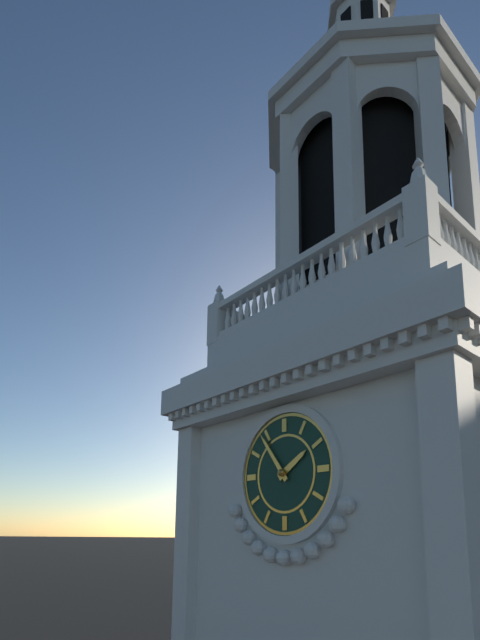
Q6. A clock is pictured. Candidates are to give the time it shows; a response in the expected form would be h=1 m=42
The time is h=1 m=54
